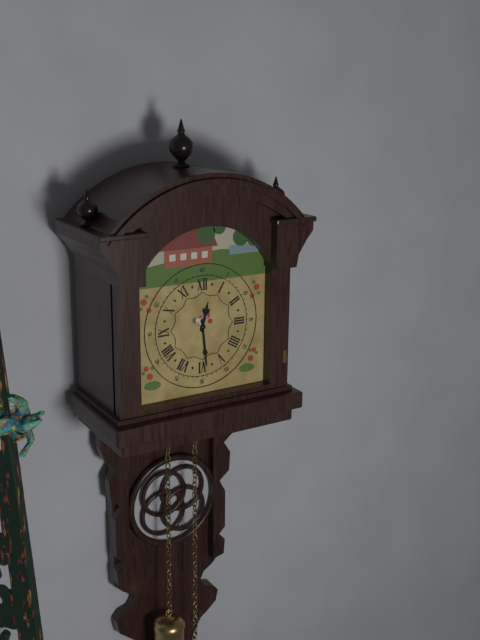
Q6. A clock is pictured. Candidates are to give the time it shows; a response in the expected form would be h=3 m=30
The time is h=12 m=29
